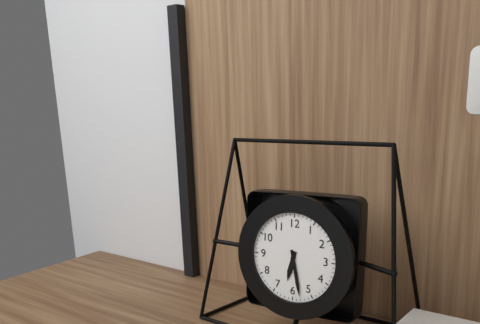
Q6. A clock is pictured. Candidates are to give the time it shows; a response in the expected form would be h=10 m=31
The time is h=6 m=28
